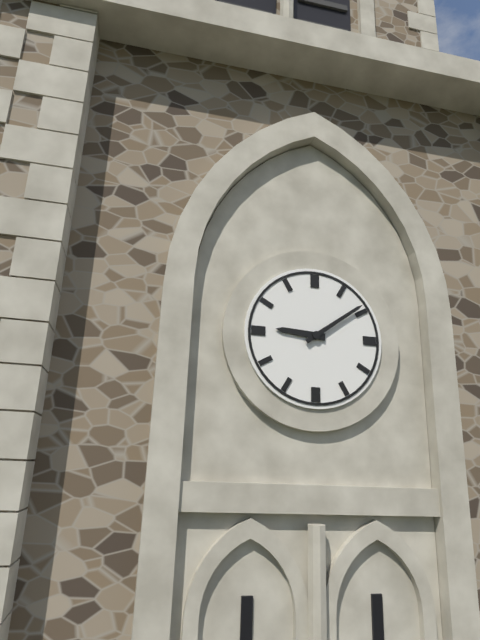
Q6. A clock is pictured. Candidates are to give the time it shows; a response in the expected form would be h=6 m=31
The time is h=9 m=9
